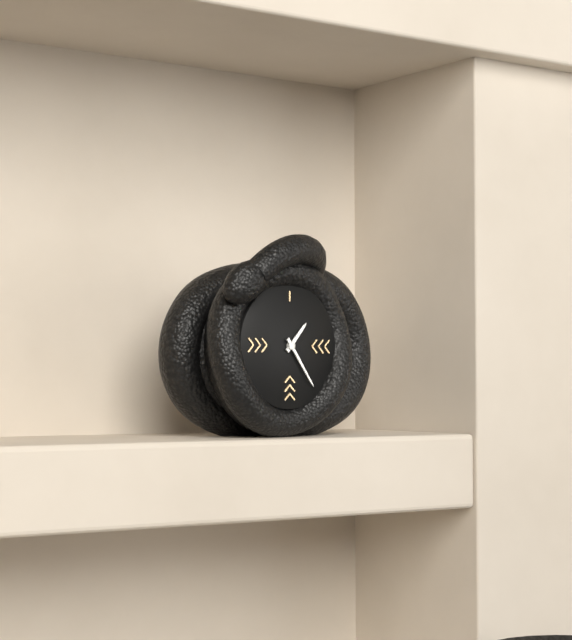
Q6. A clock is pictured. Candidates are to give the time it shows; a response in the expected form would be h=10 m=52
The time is h=1 m=24
